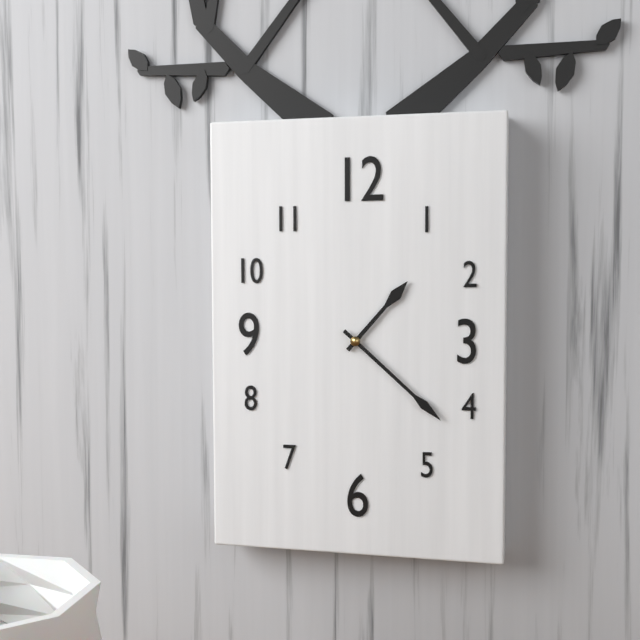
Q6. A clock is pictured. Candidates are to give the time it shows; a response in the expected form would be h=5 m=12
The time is h=1 m=22
